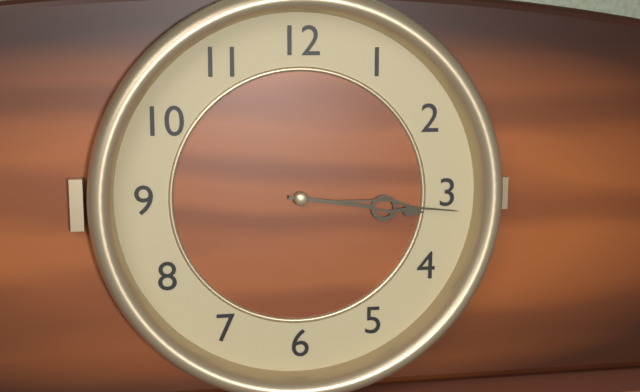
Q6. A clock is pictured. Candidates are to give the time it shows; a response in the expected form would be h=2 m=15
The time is h=3 m=16
